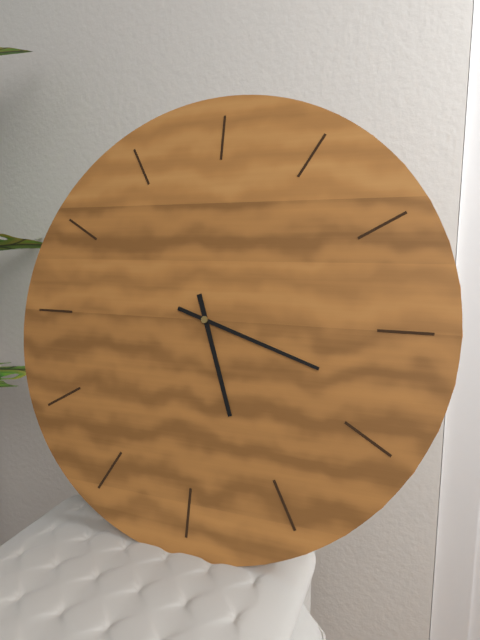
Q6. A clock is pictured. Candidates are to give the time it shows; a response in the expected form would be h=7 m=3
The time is h=5 m=18
